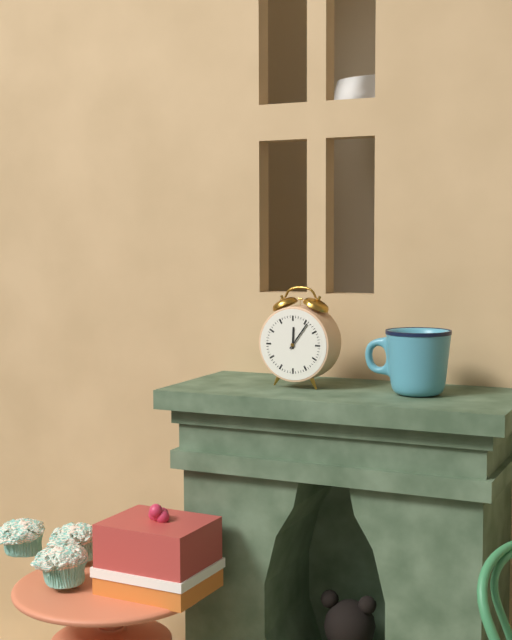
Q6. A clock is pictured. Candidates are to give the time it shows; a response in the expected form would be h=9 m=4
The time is h=12 m=6
